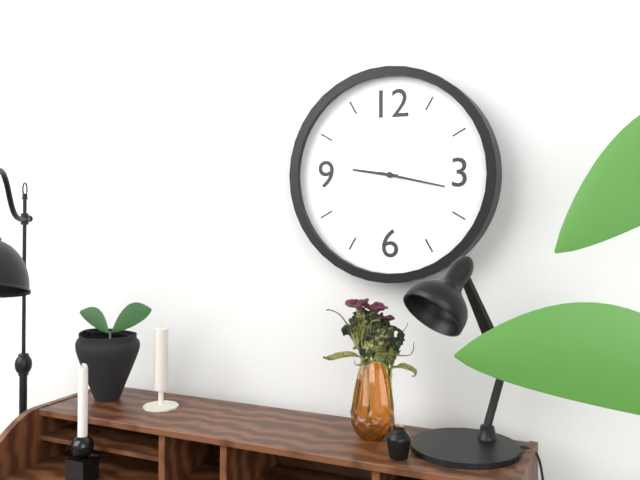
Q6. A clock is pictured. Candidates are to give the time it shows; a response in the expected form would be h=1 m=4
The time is h=9 m=17
